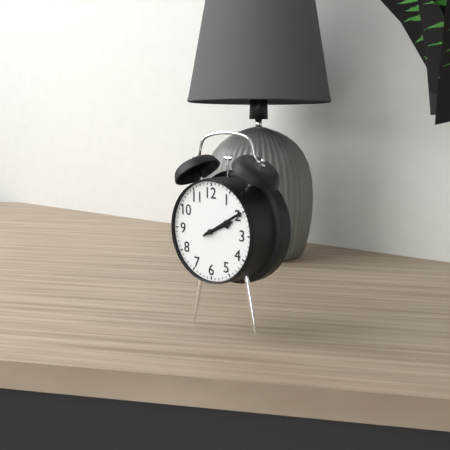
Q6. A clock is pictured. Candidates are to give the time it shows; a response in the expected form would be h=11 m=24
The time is h=2 m=10
